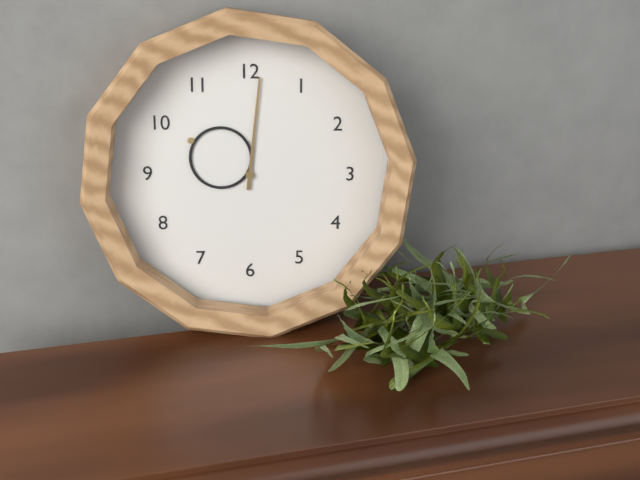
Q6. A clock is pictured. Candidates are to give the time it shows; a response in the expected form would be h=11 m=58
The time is h=10 m=1
